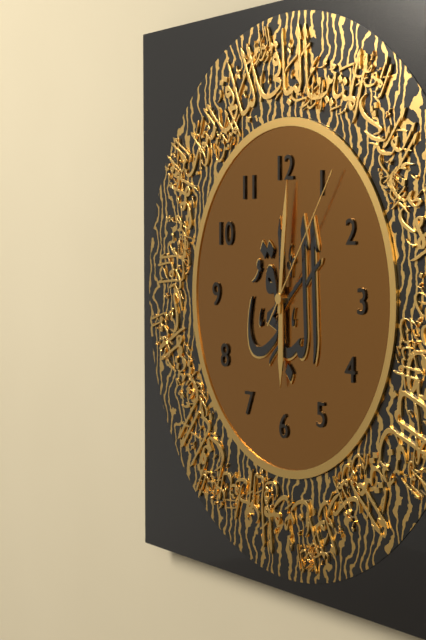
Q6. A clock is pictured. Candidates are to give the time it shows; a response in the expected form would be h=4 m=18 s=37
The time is h=6 m=1 s=6
